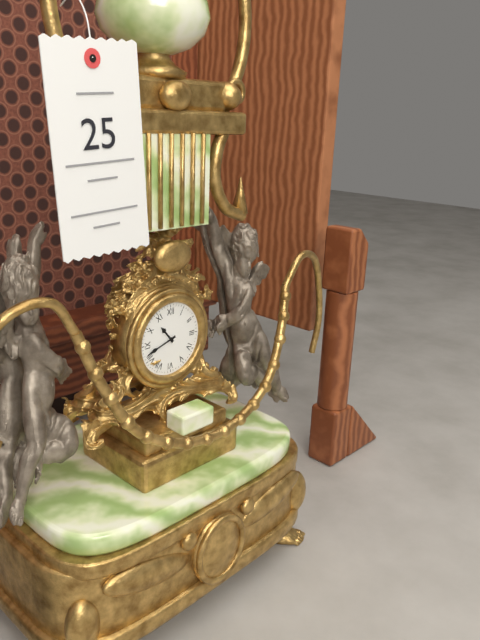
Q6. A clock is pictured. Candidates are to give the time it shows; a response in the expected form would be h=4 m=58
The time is h=10 m=42
